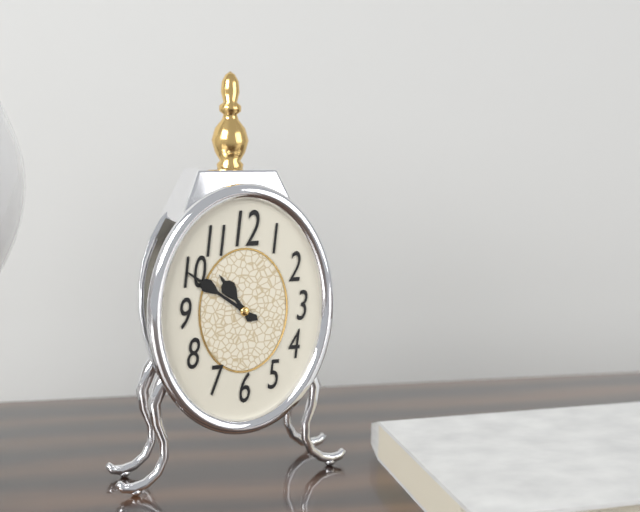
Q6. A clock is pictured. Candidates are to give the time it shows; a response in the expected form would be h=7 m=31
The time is h=10 m=51
